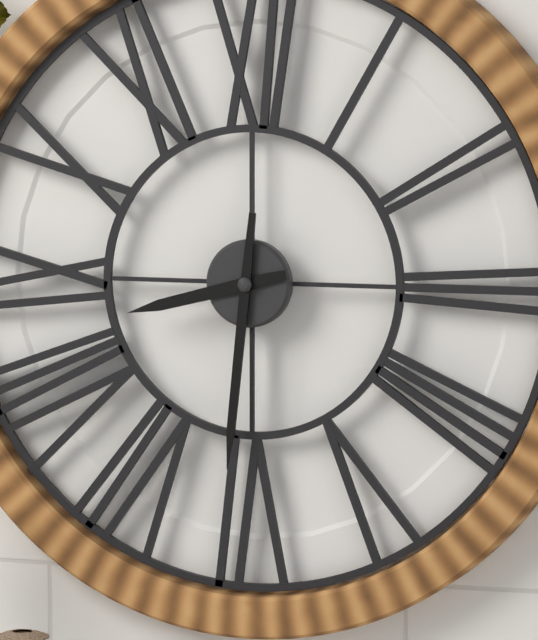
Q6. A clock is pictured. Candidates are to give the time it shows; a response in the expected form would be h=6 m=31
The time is h=8 m=31
